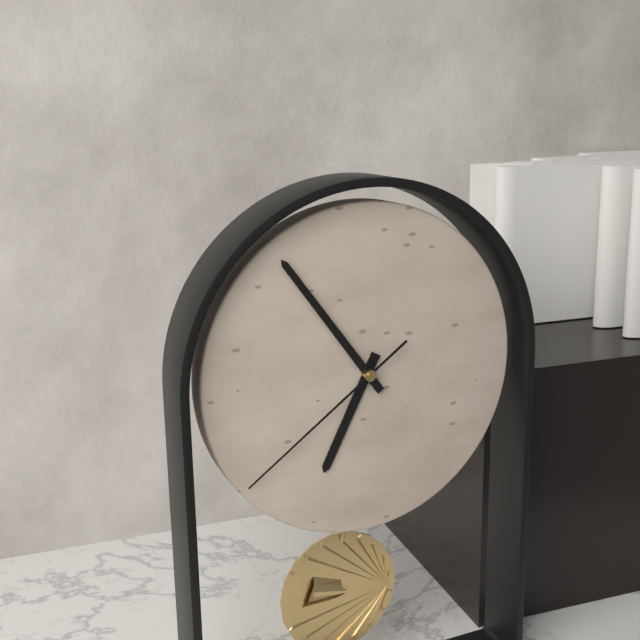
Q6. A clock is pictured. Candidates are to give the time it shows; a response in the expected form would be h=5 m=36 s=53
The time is h=6 m=54 s=39
